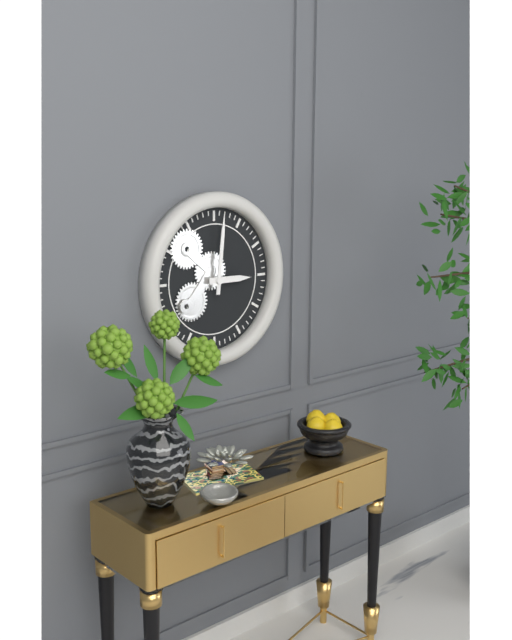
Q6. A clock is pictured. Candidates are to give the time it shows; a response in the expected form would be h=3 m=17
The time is h=3 m=1
